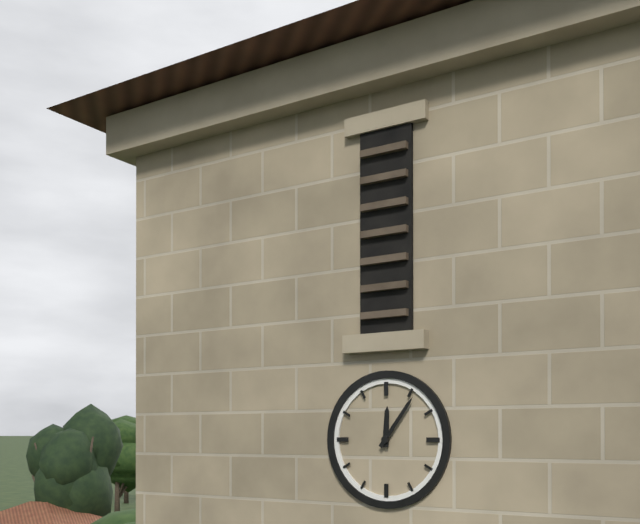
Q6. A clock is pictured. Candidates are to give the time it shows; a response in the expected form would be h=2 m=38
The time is h=12 m=6
